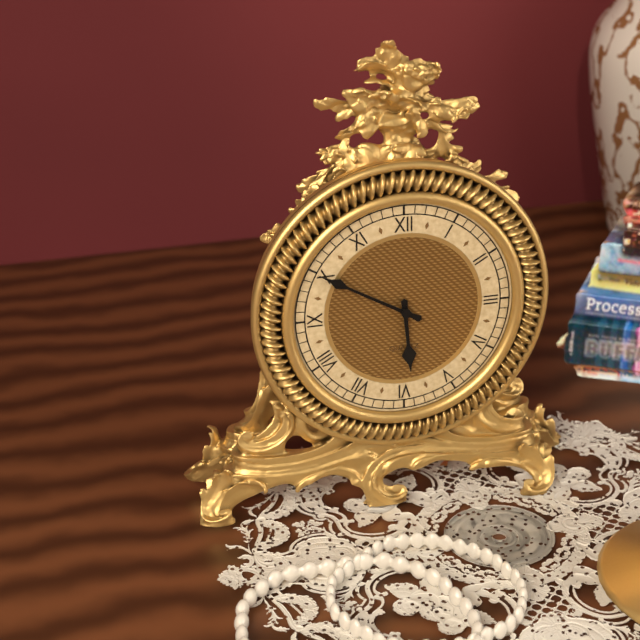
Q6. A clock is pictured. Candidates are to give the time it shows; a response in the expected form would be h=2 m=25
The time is h=5 m=50
